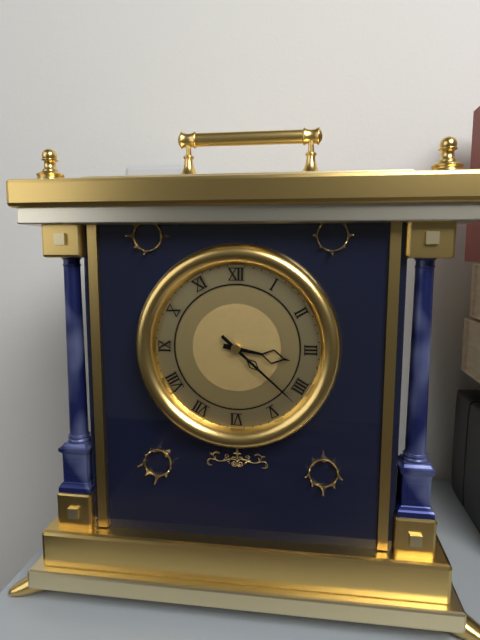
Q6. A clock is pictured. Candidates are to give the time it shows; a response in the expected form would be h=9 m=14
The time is h=3 m=22
